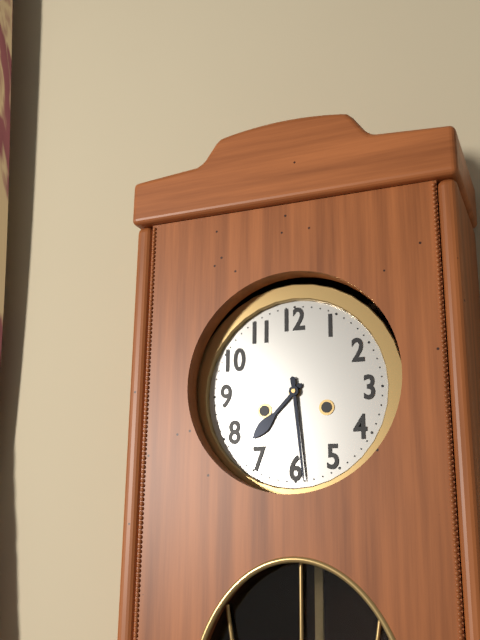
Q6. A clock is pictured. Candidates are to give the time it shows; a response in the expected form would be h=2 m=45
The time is h=7 m=29
